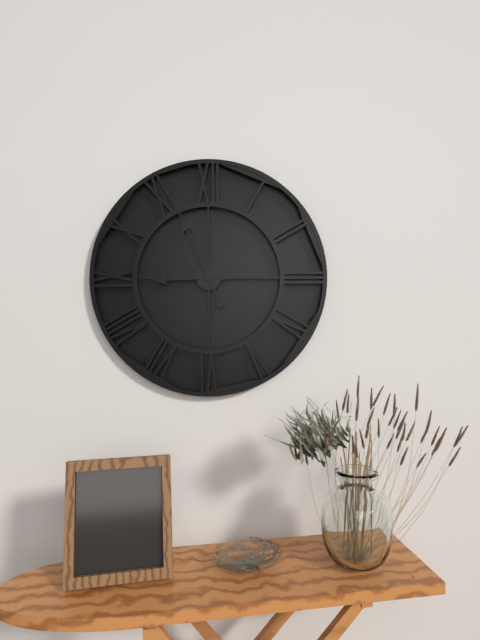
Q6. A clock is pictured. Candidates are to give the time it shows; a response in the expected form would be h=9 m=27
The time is h=8 m=56
